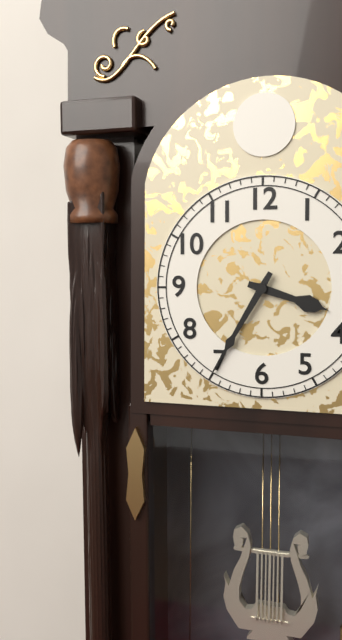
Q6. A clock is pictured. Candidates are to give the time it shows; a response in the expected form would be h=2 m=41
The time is h=3 m=35
